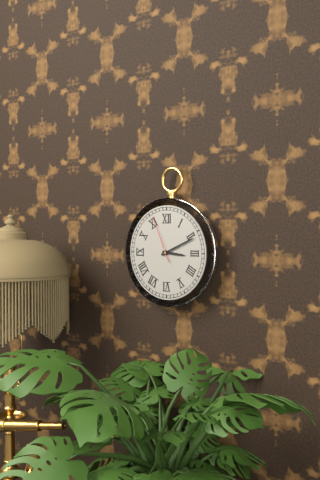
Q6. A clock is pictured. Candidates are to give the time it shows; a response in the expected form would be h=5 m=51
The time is h=3 m=11
